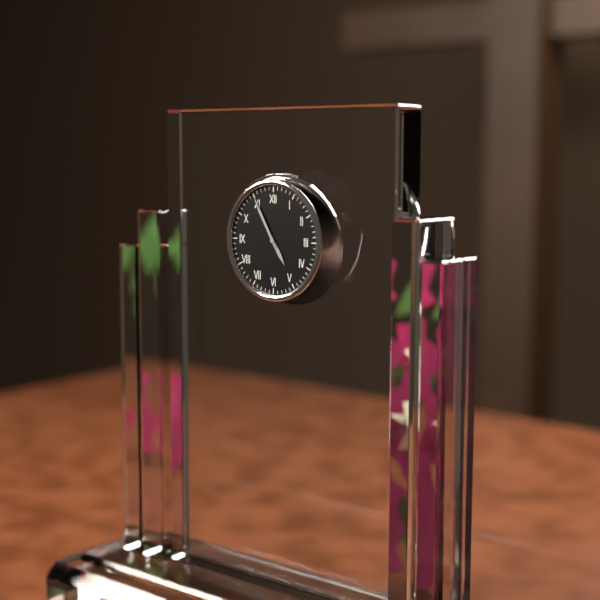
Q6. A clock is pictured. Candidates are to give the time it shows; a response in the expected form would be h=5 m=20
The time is h=4 m=55
